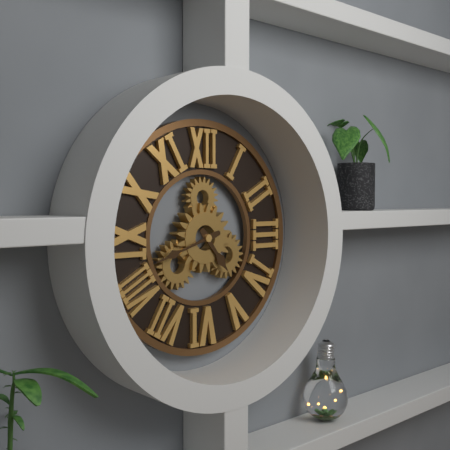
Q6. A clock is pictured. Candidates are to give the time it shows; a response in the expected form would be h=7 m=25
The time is h=4 m=42
